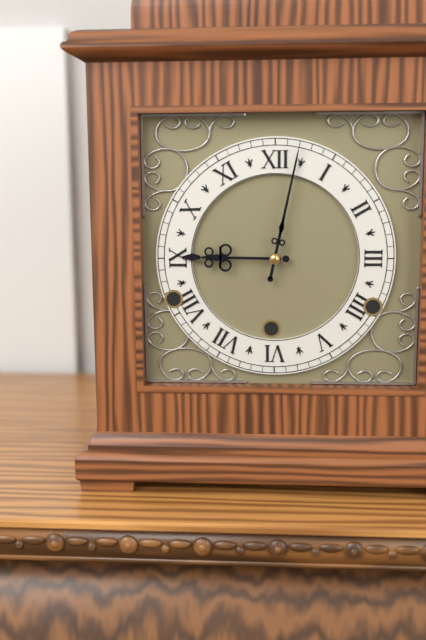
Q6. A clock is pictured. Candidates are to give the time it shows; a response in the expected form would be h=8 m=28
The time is h=9 m=2
